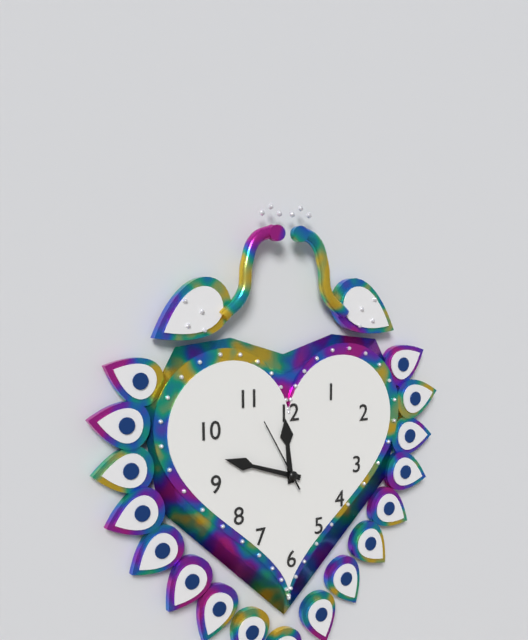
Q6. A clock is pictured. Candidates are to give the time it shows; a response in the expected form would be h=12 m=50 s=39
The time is h=11 m=48 s=55
